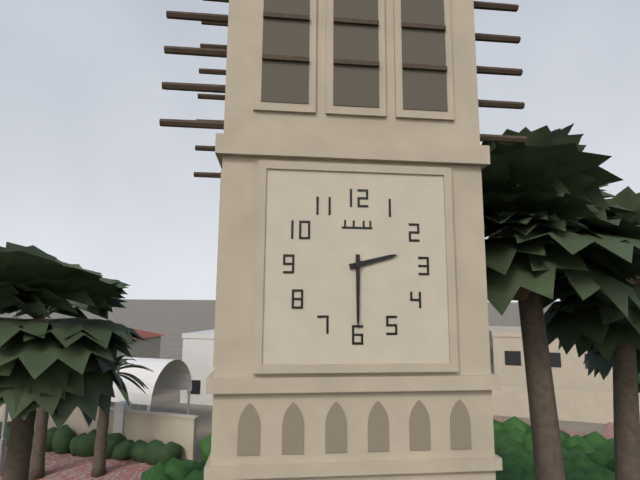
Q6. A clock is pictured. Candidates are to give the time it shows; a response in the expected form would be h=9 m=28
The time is h=2 m=30
